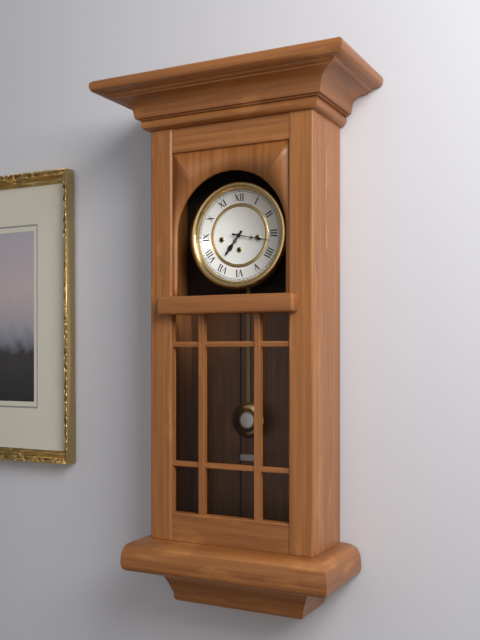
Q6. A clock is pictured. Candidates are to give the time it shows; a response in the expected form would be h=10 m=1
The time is h=7 m=17
